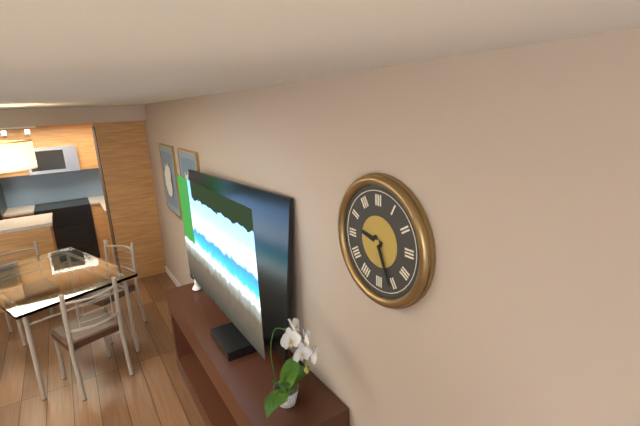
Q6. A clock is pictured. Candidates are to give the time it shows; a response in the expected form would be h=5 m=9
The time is h=9 m=26
